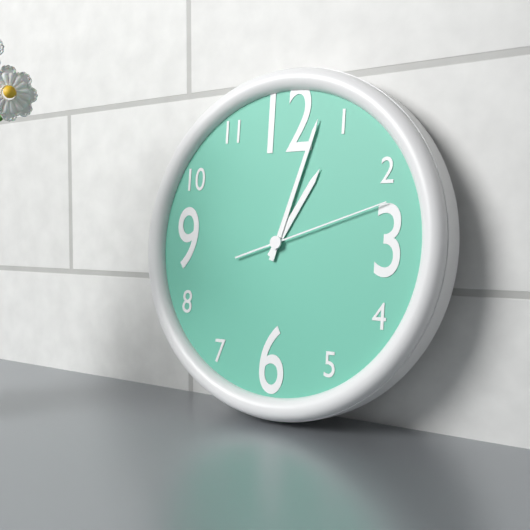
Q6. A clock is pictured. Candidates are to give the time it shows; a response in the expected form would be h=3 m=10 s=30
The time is h=1 m=3 s=12
